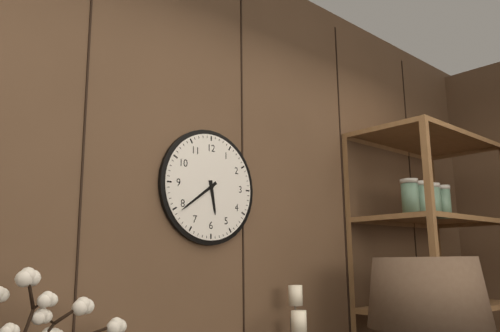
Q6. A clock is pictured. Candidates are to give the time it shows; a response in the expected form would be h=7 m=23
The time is h=5 m=39
